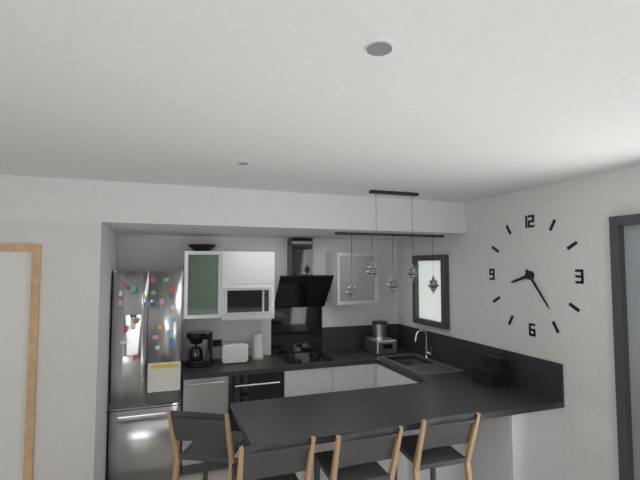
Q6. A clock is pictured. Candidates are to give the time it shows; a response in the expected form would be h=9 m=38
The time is h=8 m=24
